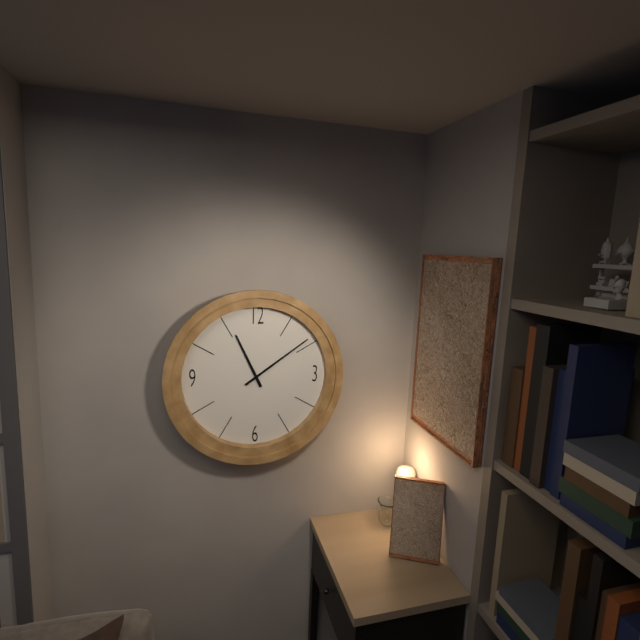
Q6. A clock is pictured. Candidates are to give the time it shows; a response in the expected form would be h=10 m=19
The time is h=11 m=9
